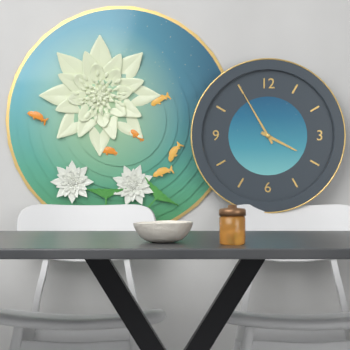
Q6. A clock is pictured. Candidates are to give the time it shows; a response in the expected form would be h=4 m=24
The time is h=3 m=55
